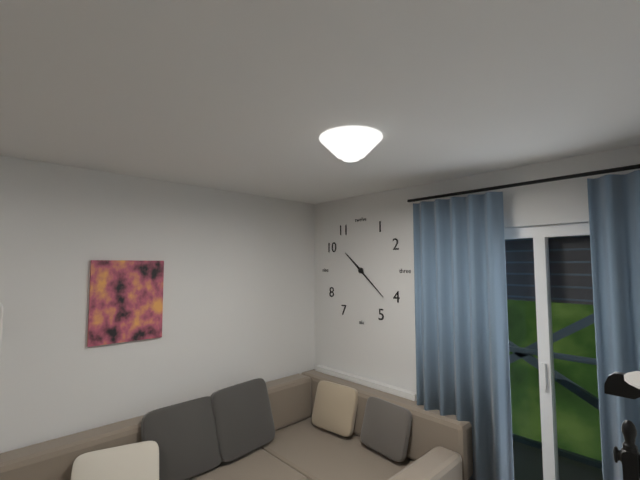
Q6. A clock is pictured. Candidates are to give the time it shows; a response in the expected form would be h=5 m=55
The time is h=10 m=22
